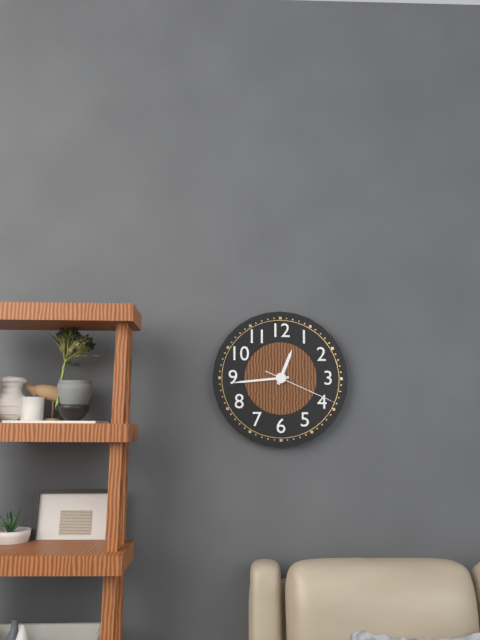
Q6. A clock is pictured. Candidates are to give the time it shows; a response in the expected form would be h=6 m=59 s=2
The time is h=12 m=44 s=19
